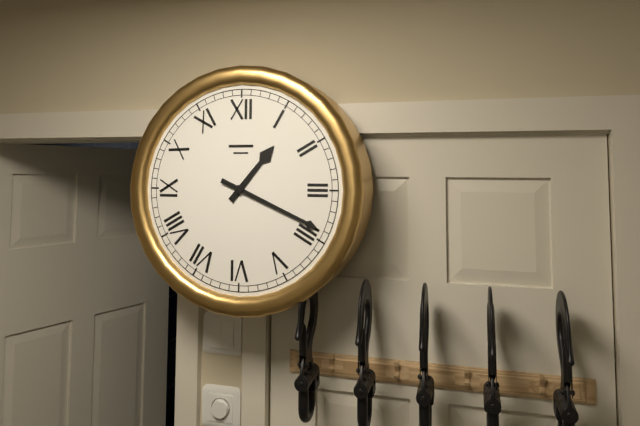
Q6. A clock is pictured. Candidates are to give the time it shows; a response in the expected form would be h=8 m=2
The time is h=1 m=19
